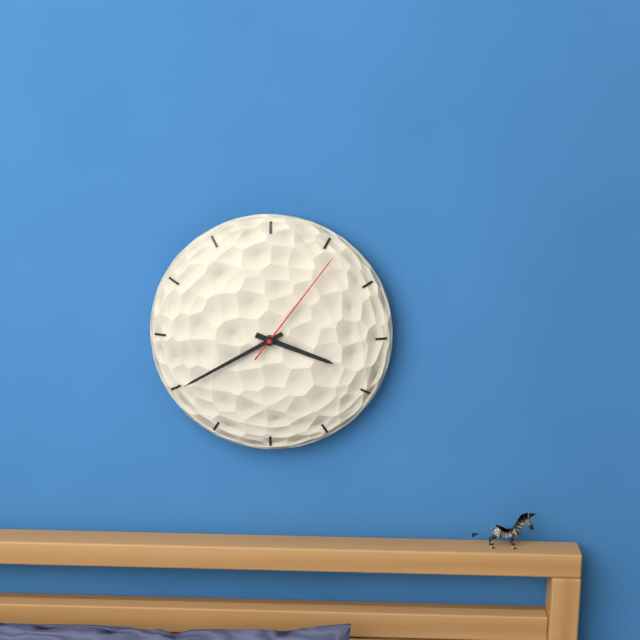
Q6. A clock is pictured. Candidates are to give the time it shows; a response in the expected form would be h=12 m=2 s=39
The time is h=3 m=40 s=6
